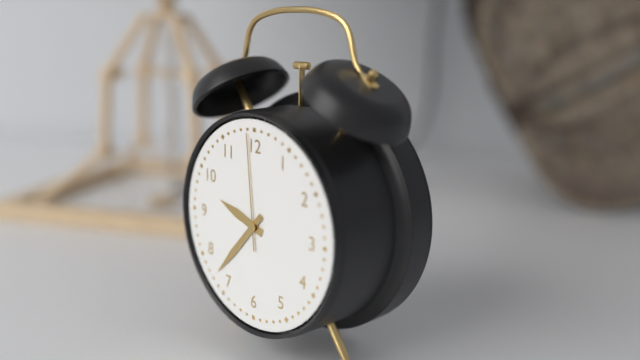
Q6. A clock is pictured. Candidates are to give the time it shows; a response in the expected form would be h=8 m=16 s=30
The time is h=9 m=37 s=59
